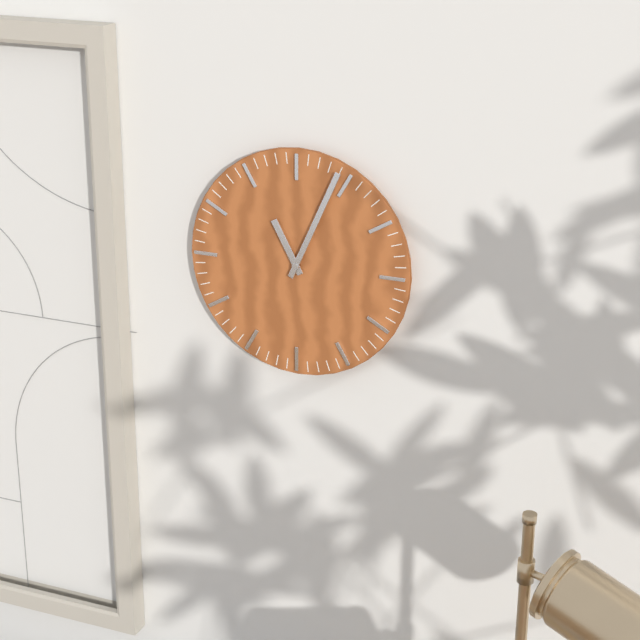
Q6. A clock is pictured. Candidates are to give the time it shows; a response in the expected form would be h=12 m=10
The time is h=11 m=4
